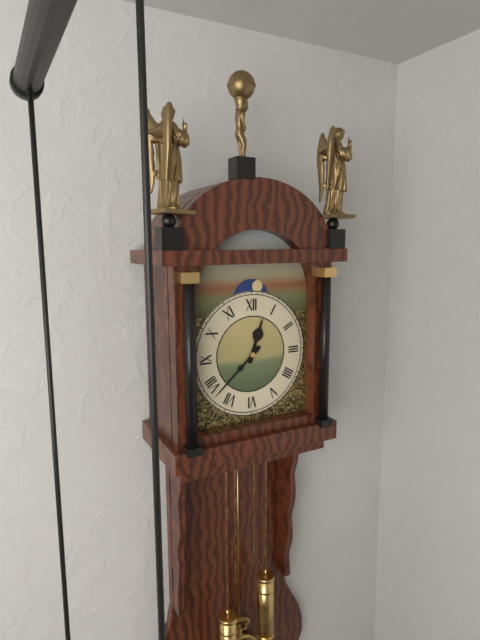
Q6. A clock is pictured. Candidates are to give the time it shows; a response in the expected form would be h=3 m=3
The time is h=12 m=38
